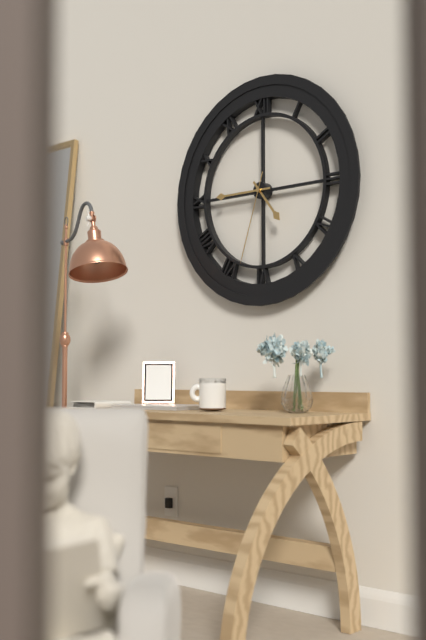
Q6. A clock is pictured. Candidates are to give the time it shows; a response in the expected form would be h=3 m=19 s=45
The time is h=4 m=45 s=33
